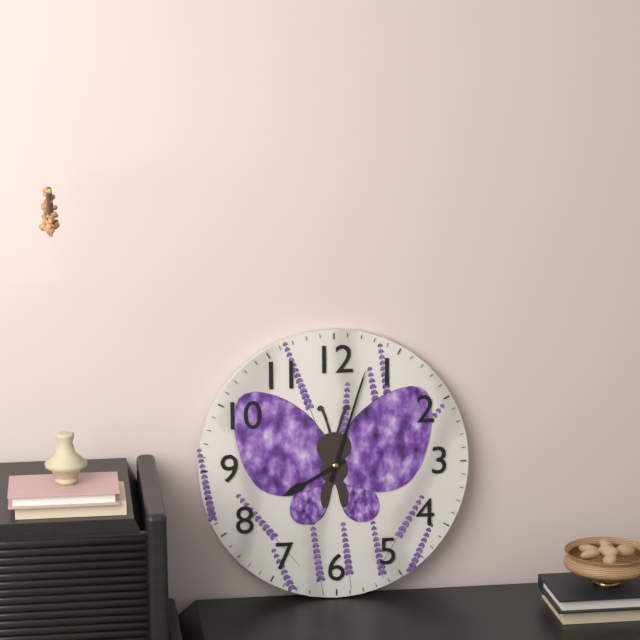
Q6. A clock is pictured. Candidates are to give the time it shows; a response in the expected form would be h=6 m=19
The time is h=8 m=3
